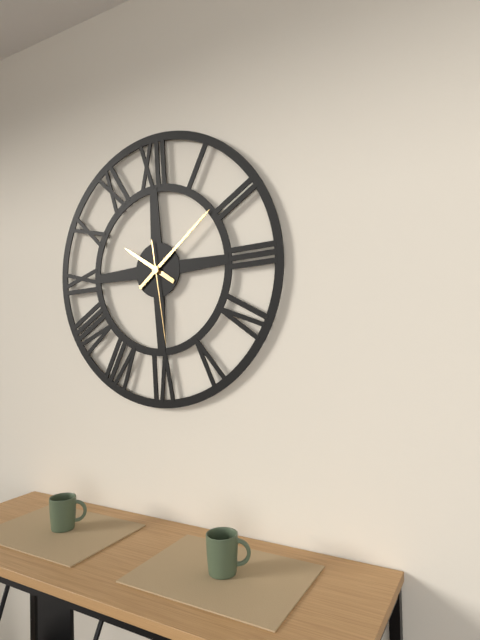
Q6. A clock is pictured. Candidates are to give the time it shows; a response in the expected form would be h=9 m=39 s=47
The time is h=10 m=9 s=29
